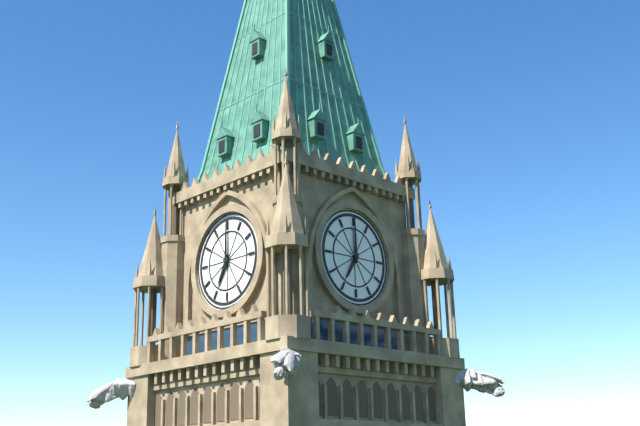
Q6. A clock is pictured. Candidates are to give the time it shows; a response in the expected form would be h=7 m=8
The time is h=7 m=0
